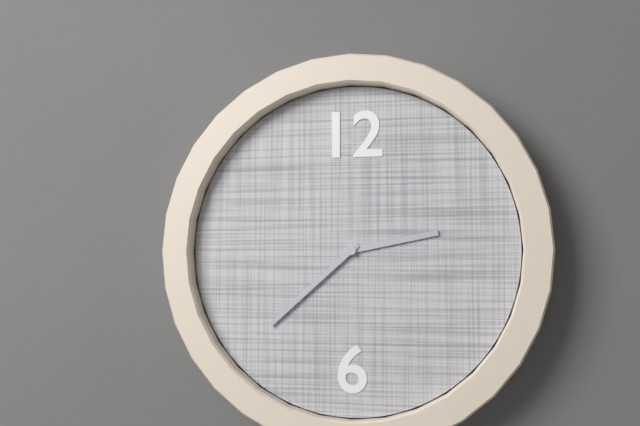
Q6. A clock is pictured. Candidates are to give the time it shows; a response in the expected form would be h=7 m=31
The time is h=2 m=38
